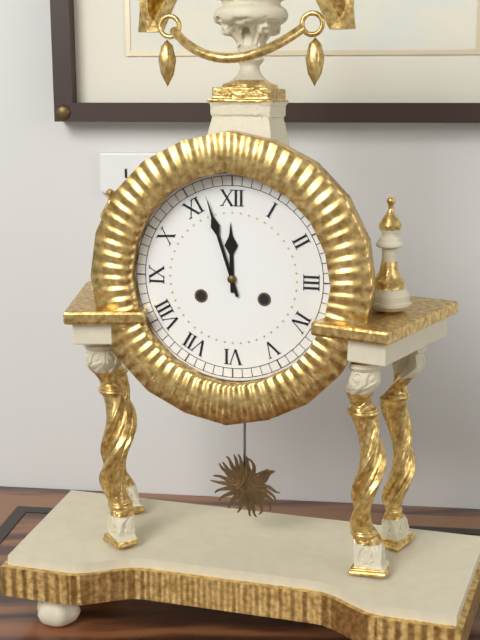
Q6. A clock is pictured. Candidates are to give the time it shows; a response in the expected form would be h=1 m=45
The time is h=11 m=57
